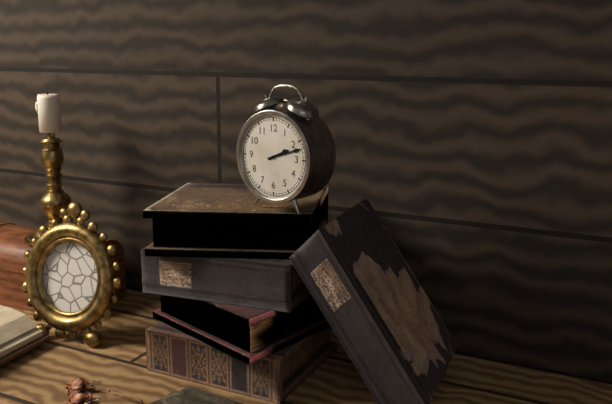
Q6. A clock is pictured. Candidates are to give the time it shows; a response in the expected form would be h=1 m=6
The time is h=2 m=12
